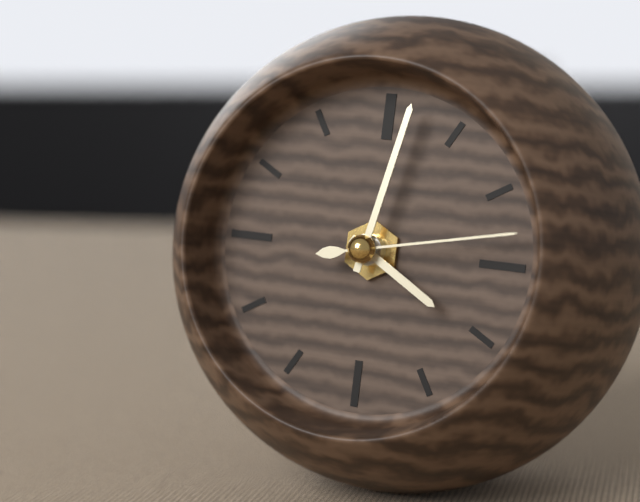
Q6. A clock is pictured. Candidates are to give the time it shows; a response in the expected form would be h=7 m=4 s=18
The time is h=4 m=2 s=13
